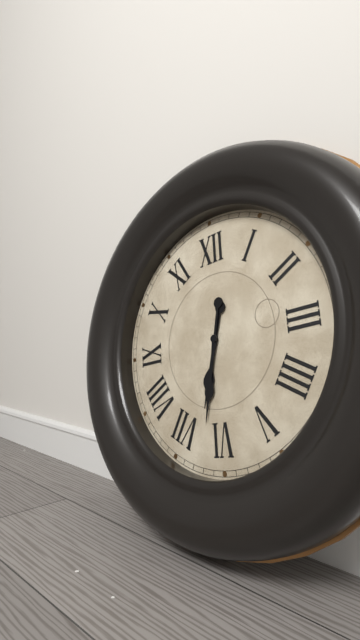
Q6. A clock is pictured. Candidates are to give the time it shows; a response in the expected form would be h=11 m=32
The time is h=6 m=32
